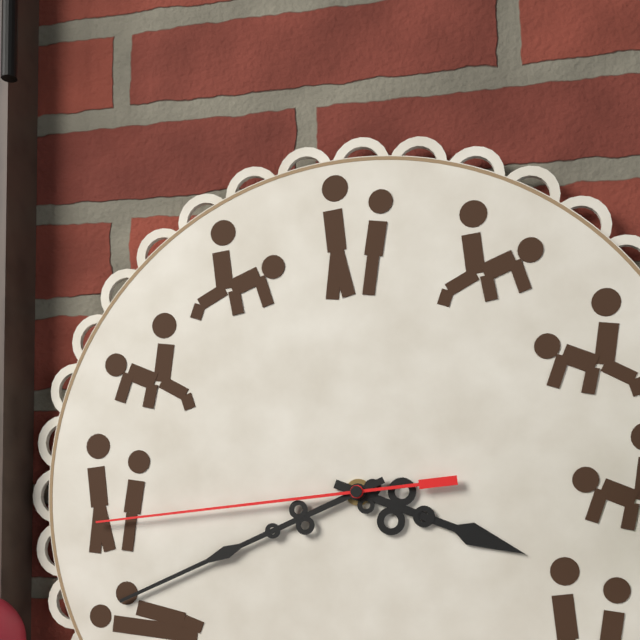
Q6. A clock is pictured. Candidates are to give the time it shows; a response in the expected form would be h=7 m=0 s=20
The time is h=3 m=41 s=44
